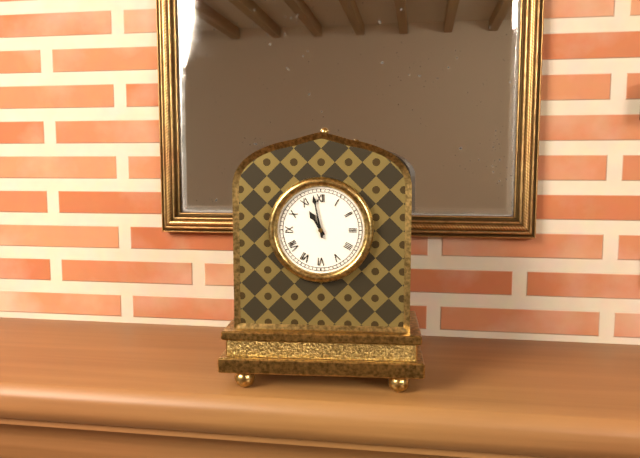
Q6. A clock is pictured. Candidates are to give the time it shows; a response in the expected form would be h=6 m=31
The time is h=10 m=58
